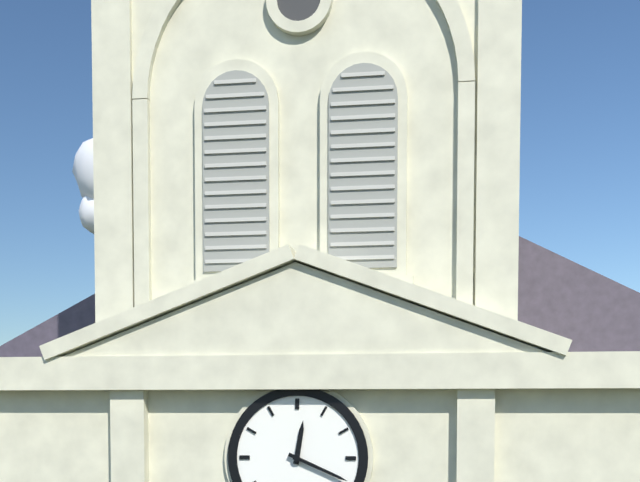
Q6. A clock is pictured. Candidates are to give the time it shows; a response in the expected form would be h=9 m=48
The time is h=12 m=19
